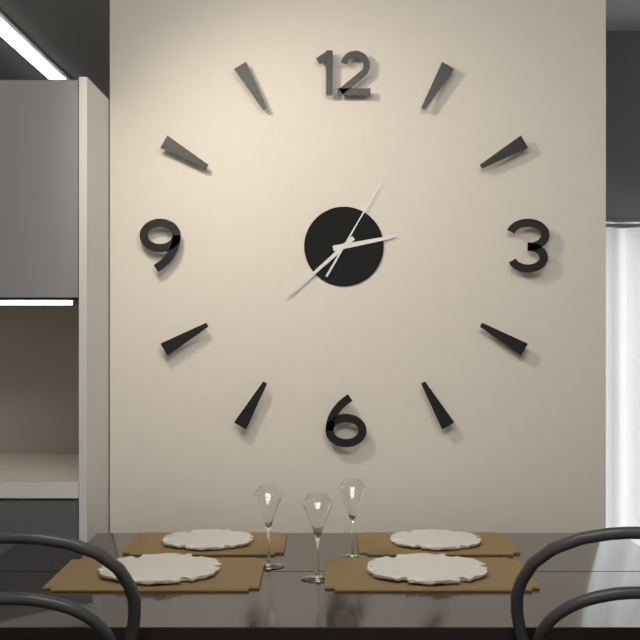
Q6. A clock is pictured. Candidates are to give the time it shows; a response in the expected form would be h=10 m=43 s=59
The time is h=2 m=38 s=5
